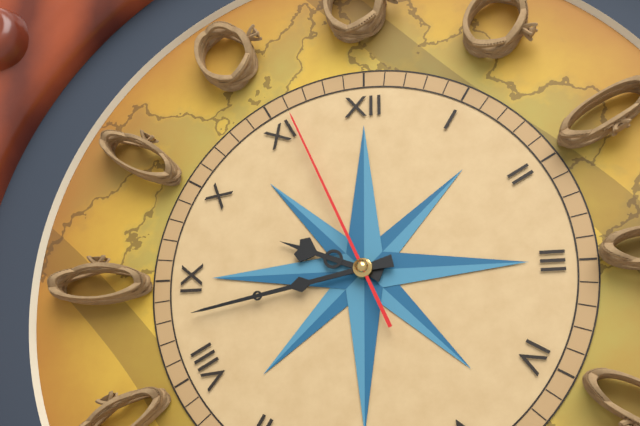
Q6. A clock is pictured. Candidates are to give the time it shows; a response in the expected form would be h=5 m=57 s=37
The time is h=9 m=43 s=56
